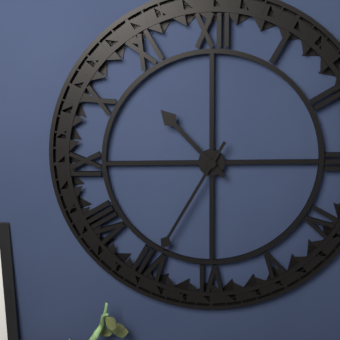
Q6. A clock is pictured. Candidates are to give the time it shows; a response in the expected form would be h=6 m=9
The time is h=10 m=35
